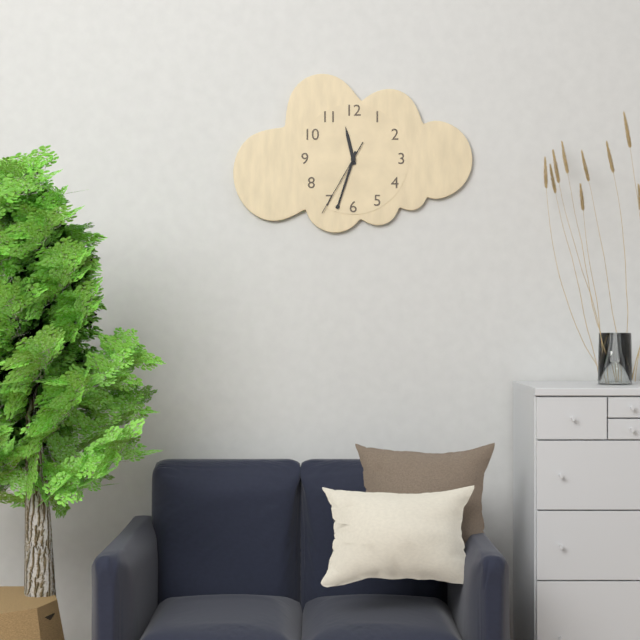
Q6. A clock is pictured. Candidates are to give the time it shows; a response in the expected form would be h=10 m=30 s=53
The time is h=11 m=33 s=35
